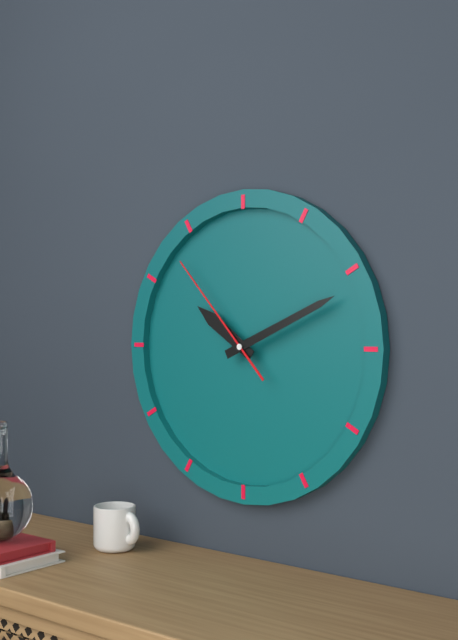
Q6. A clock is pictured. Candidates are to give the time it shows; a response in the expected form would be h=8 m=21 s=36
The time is h=10 m=11 s=53
